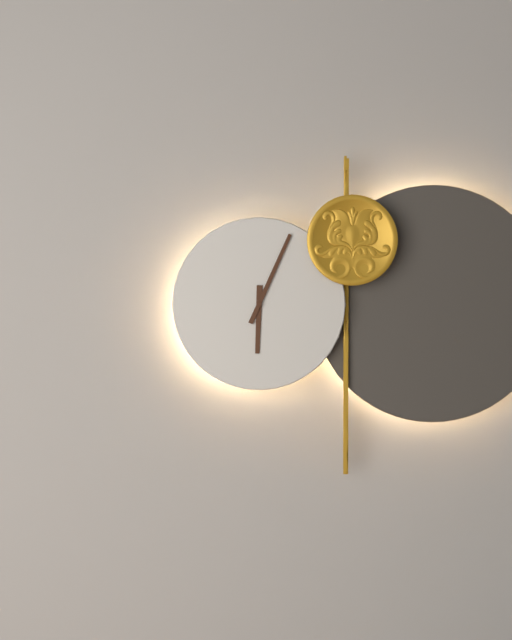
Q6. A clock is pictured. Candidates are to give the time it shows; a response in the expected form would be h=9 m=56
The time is h=6 m=4
